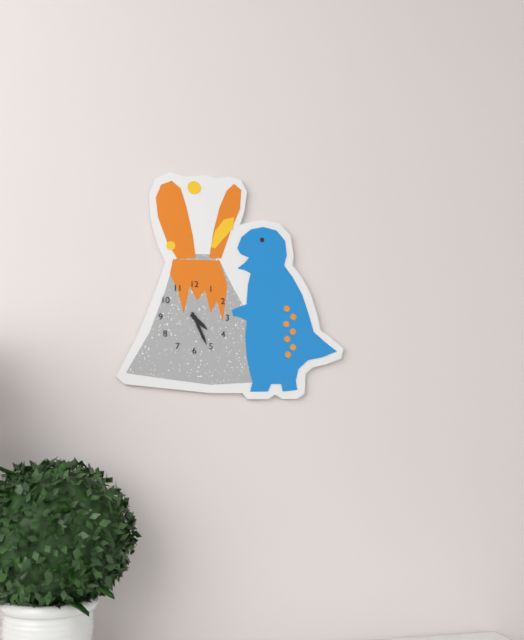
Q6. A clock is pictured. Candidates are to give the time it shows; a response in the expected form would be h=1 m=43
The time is h=4 m=26
